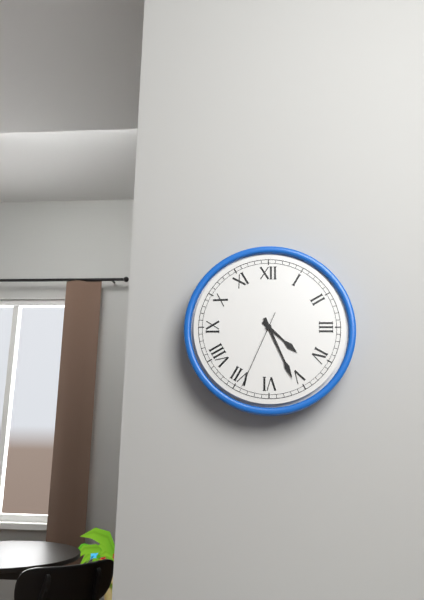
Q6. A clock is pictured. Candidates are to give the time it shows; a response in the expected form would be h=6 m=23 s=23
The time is h=4 m=26 s=34
